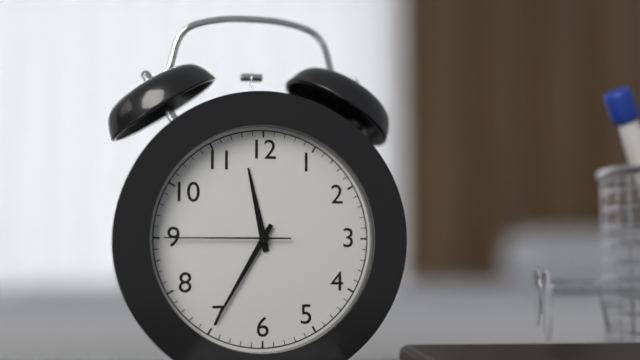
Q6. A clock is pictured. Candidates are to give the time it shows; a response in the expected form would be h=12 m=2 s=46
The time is h=11 m=35 s=45
